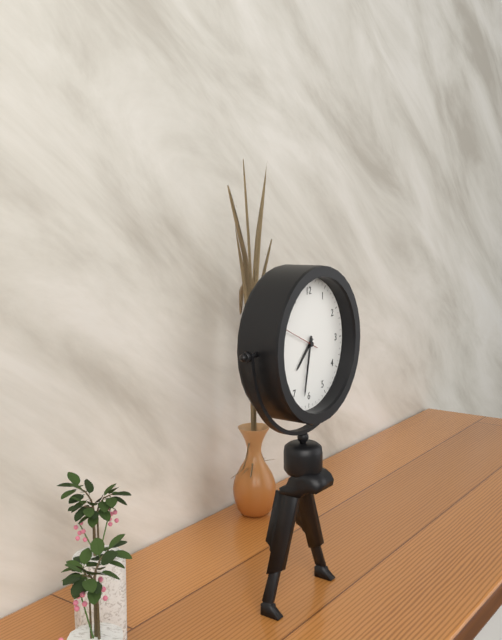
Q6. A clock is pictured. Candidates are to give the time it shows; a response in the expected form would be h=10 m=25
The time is h=7 m=32
